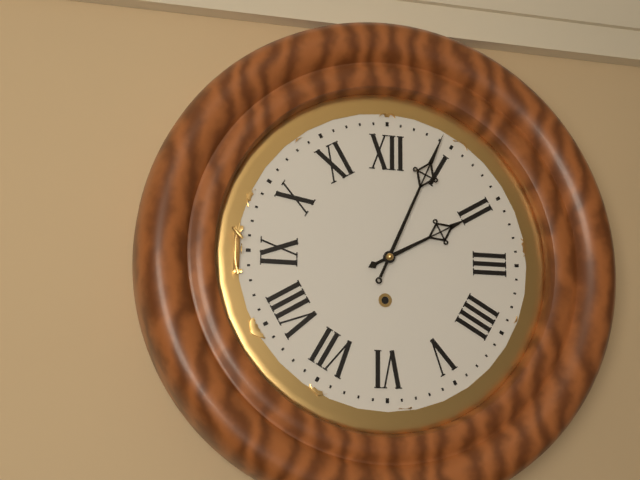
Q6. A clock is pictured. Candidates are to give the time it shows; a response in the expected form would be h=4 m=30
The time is h=2 m=4
